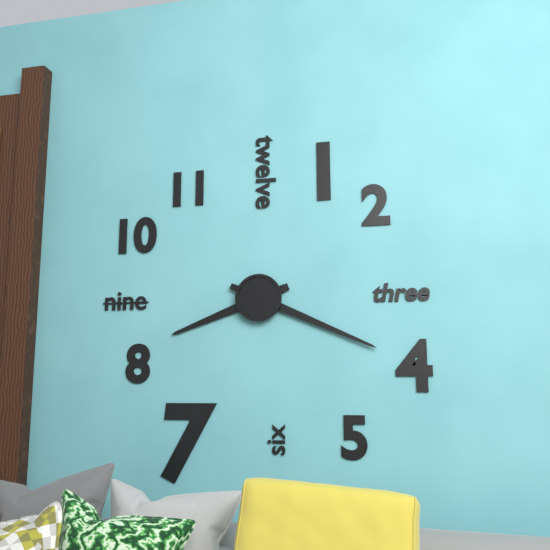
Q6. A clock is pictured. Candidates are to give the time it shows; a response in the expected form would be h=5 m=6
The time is h=8 m=19
